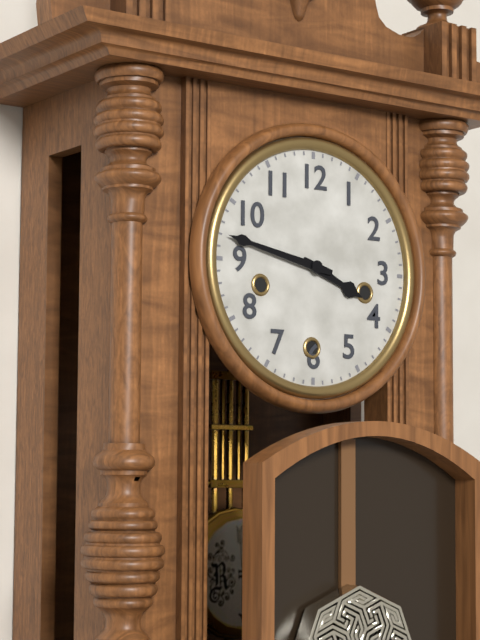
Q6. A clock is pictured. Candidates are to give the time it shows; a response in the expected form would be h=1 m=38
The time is h=3 m=47
